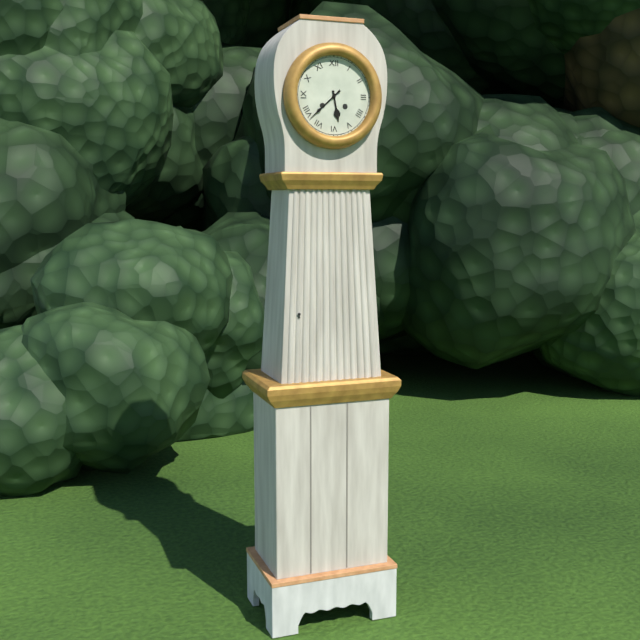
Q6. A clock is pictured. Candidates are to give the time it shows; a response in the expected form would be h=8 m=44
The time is h=5 m=38
